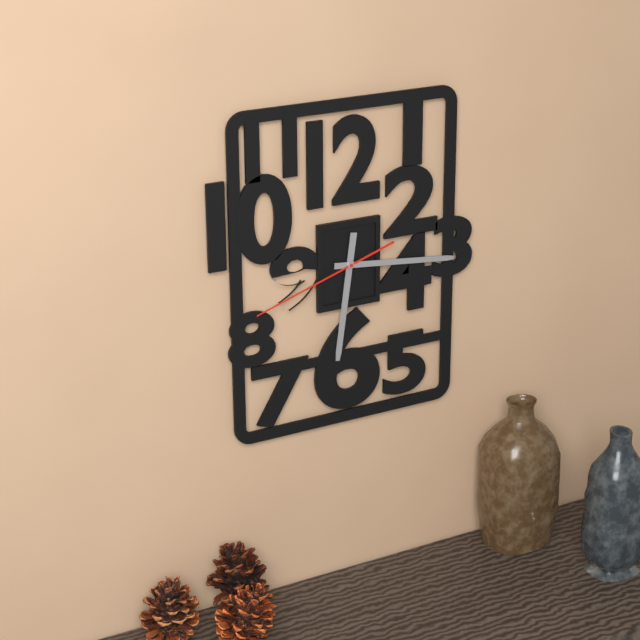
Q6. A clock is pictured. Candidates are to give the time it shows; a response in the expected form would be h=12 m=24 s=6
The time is h=6 m=16 s=42
